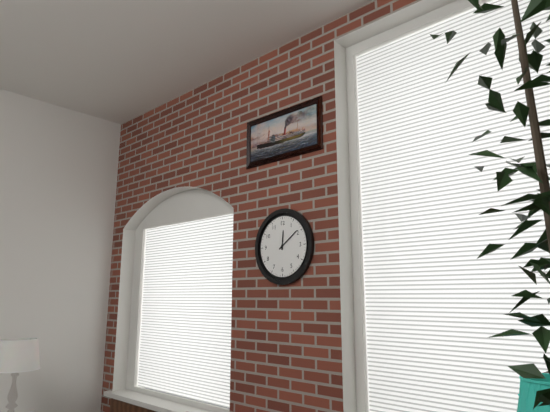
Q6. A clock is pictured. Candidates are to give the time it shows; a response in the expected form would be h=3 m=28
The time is h=12 m=9
